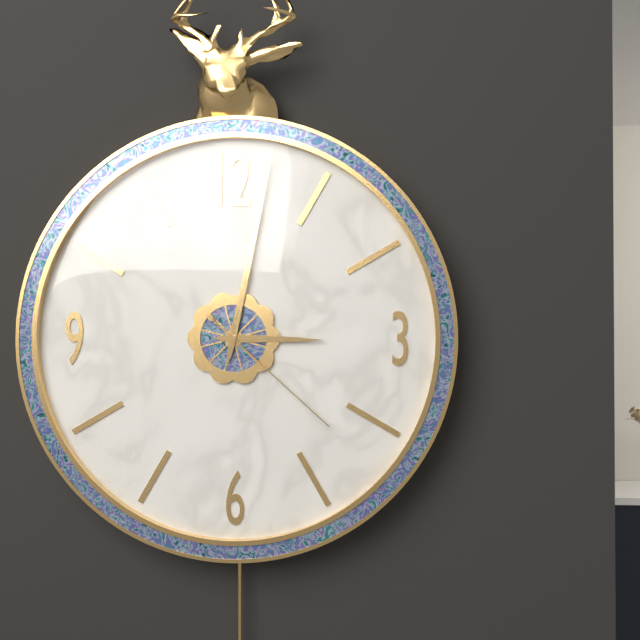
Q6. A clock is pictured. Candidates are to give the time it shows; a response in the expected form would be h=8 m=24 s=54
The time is h=3 m=2 s=22
